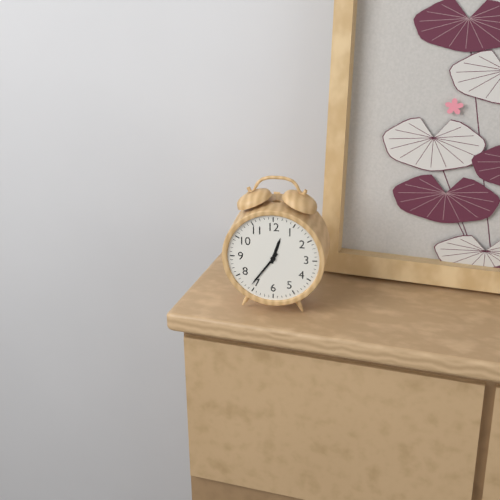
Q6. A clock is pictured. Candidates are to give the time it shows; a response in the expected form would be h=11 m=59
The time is h=12 m=36
